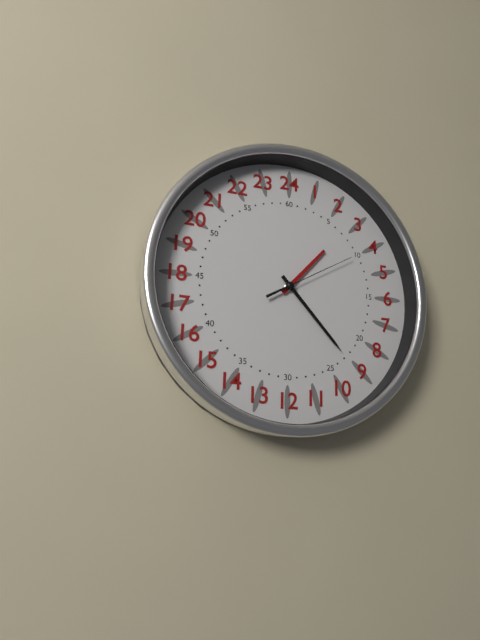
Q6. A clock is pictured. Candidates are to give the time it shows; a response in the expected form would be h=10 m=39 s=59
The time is h=1 m=23 s=10
